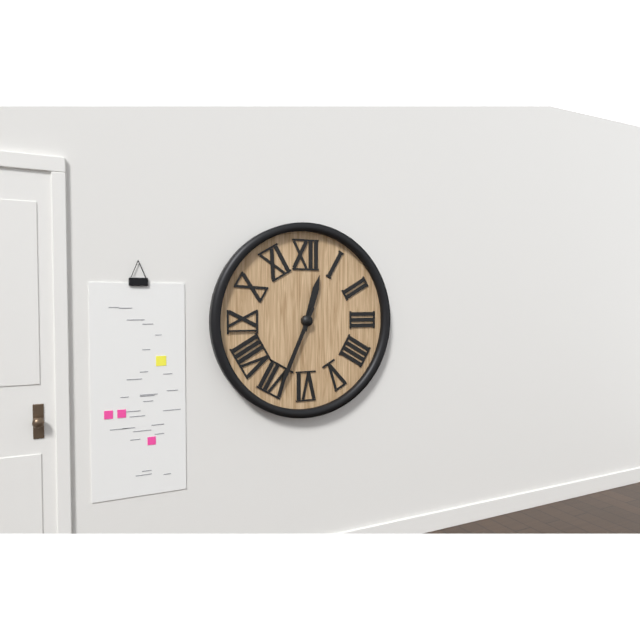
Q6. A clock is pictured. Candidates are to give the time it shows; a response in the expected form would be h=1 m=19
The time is h=12 m=34
